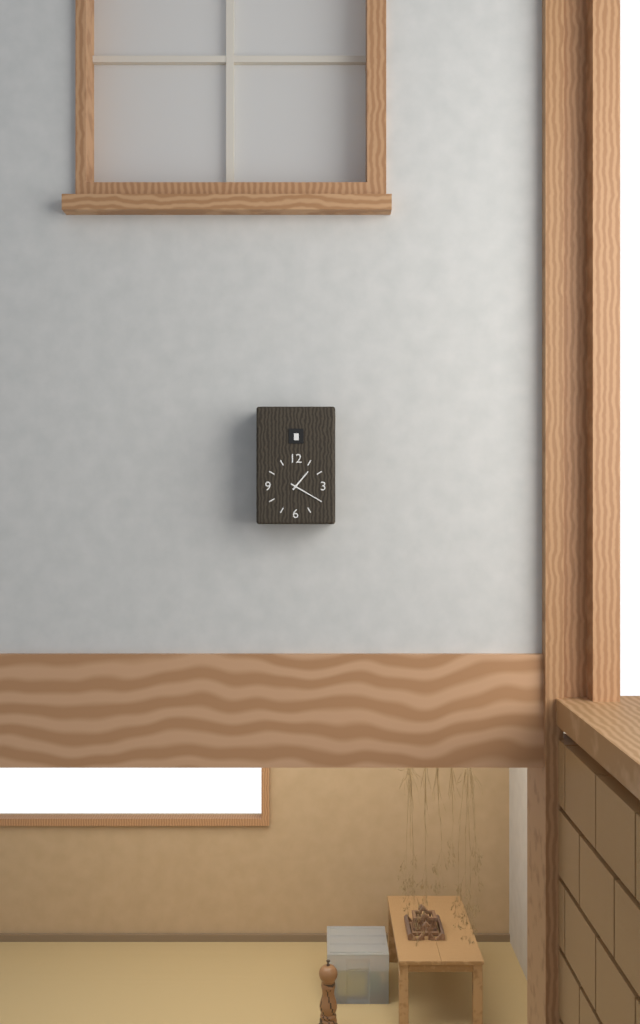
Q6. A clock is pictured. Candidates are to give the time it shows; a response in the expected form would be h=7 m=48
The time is h=1 m=20
